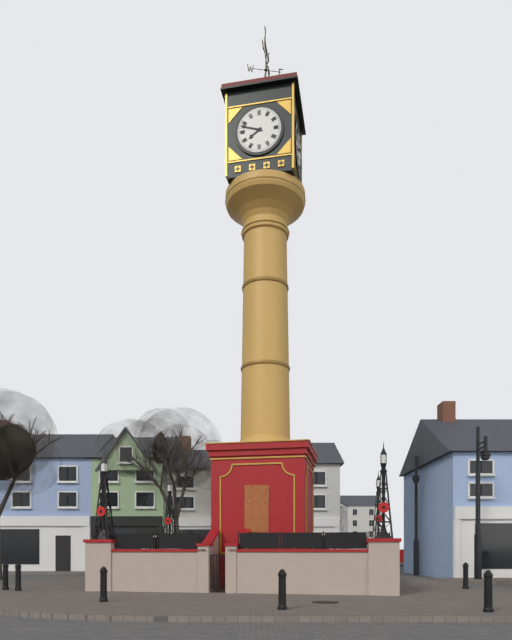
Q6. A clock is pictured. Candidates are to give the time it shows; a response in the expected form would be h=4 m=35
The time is h=7 m=48
